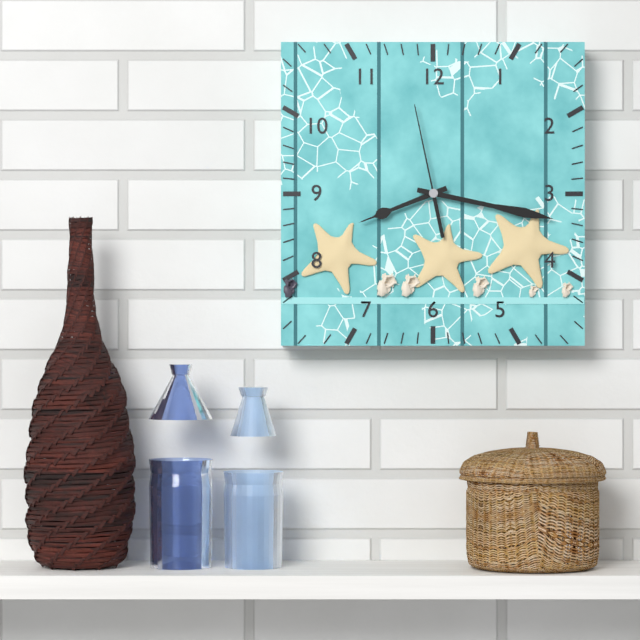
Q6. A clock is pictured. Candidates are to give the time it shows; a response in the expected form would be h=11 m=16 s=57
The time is h=8 m=17 s=58
